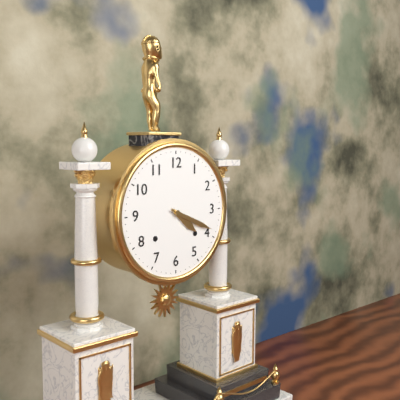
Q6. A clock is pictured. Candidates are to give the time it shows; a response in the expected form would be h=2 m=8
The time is h=4 m=19
